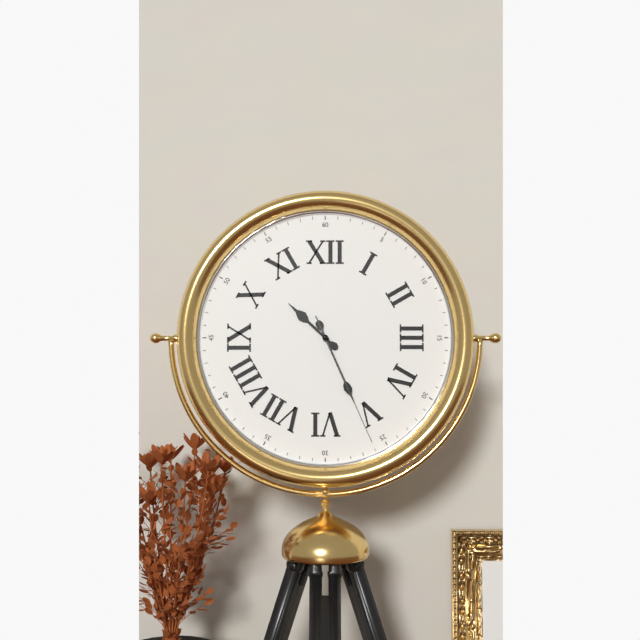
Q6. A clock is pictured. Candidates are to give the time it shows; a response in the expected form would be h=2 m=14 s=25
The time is h=10 m=26 s=26
